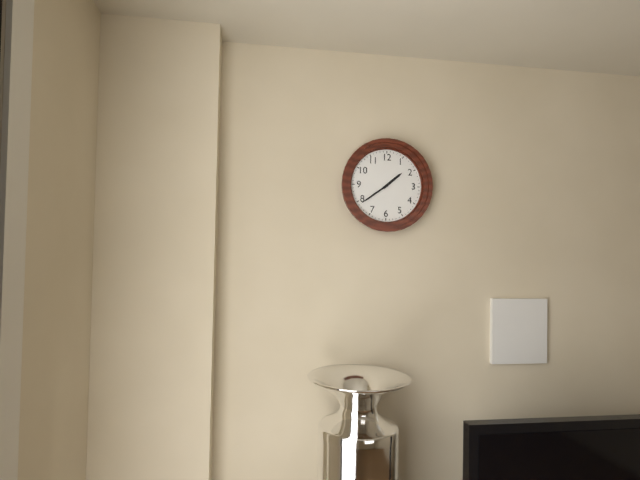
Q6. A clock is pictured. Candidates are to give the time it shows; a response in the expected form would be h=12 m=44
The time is h=1 m=39
